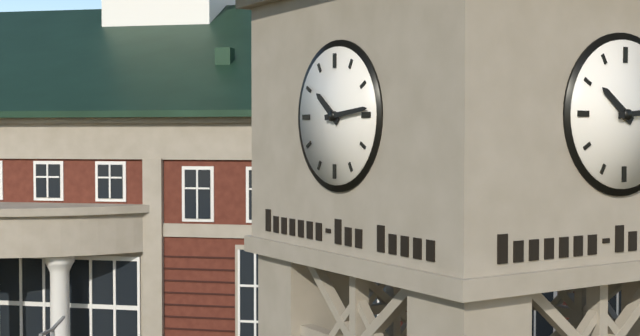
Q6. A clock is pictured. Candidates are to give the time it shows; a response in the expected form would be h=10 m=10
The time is h=10 m=14
